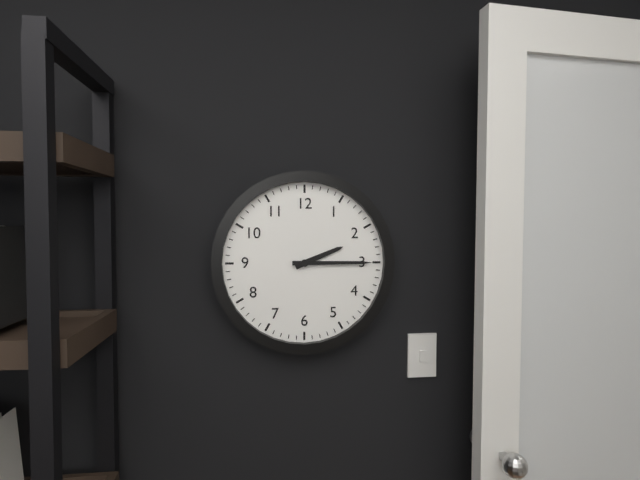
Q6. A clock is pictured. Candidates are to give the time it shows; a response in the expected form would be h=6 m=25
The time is h=2 m=15
